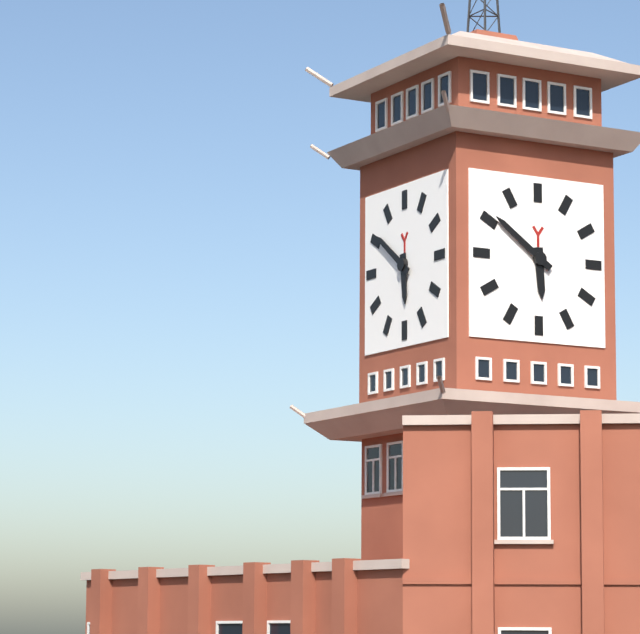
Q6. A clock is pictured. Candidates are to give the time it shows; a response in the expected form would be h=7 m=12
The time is h=5 m=51
